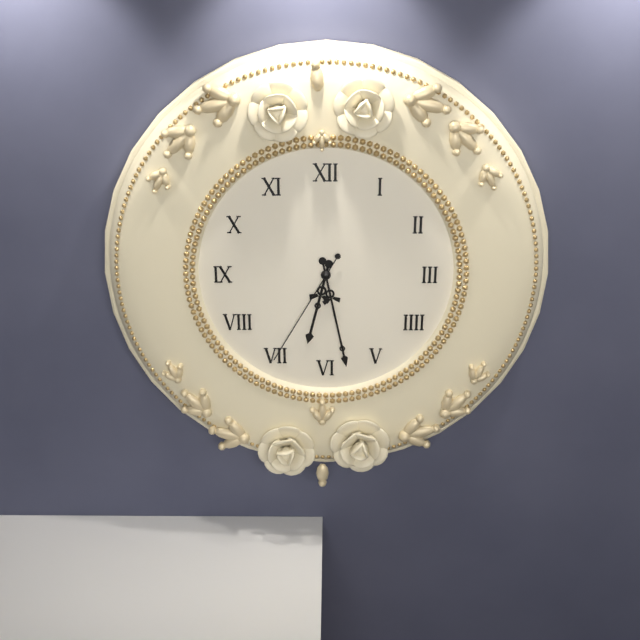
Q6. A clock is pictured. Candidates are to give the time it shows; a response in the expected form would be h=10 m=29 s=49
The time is h=6 m=28 s=35
